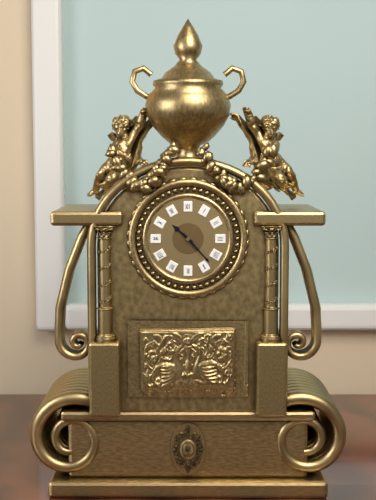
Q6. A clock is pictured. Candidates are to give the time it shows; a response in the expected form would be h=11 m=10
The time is h=10 m=23
